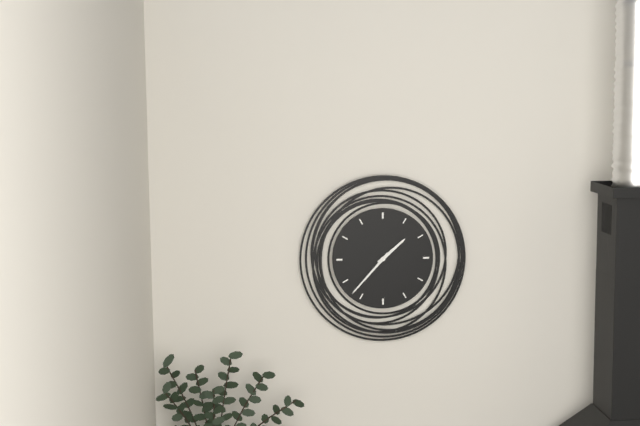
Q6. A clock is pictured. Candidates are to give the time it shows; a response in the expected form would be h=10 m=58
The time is h=1 m=37
